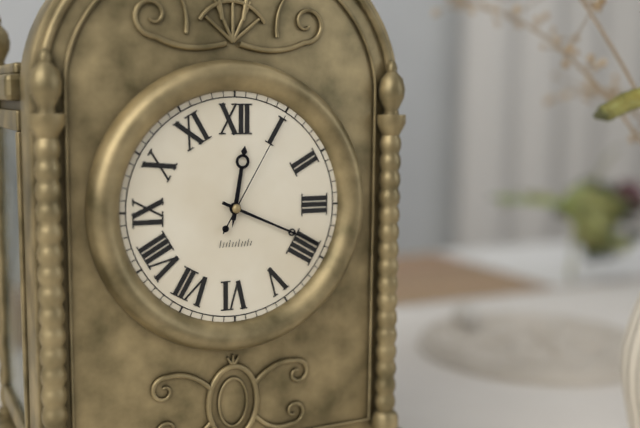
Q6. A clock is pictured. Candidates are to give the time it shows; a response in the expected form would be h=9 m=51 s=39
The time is h=12 m=19 s=5
